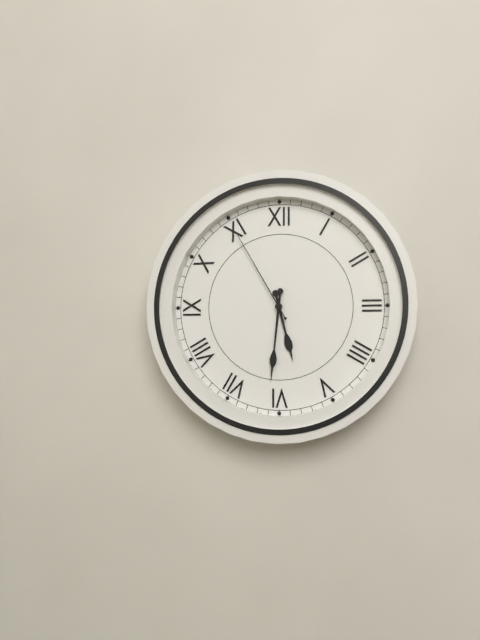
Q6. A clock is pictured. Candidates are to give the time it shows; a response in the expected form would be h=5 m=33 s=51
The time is h=5 m=31 s=55
